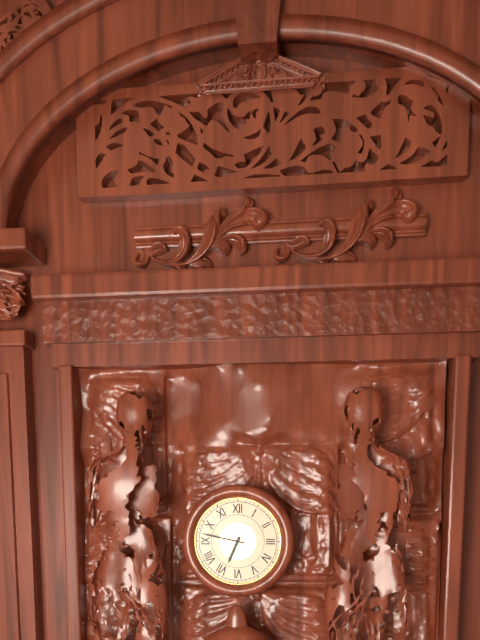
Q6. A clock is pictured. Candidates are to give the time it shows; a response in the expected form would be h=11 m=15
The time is h=6 m=47
